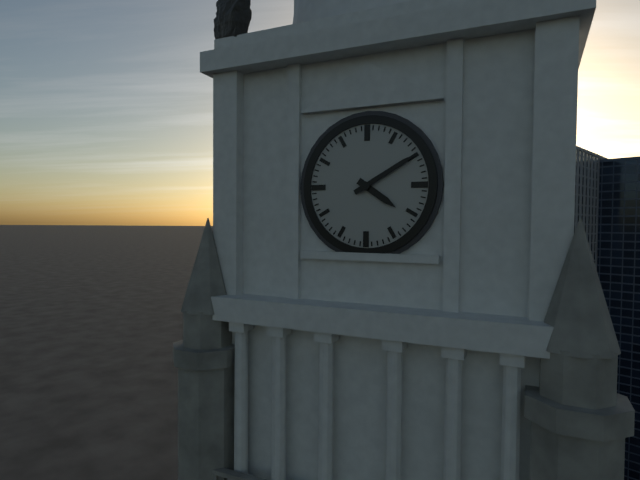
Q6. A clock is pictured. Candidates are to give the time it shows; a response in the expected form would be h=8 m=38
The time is h=4 m=10
